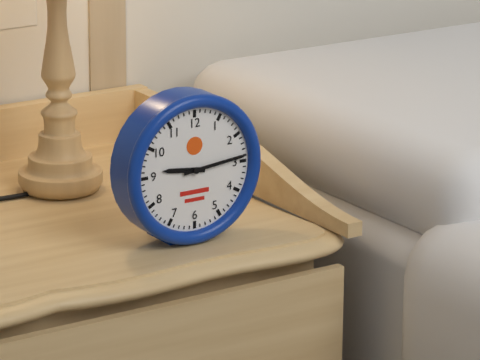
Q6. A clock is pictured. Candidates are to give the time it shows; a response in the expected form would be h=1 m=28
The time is h=9 m=14
